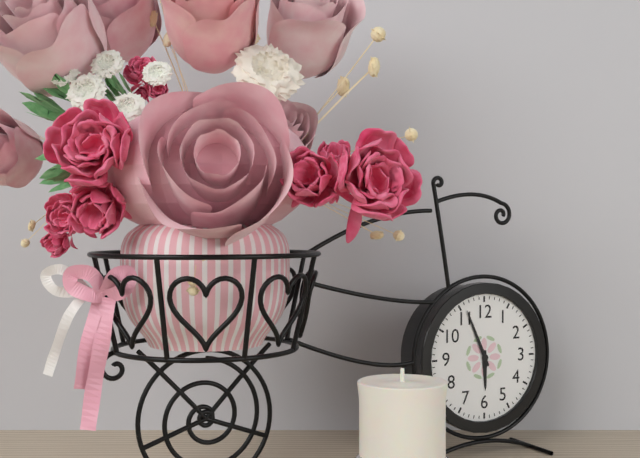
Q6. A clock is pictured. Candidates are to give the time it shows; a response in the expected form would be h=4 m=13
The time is h=5 m=56
